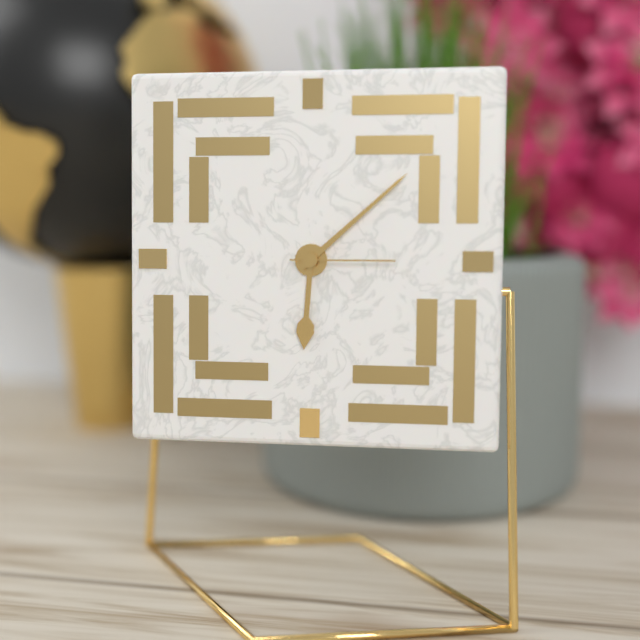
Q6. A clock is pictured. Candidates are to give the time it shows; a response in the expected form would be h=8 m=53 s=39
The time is h=6 m=8 s=15
